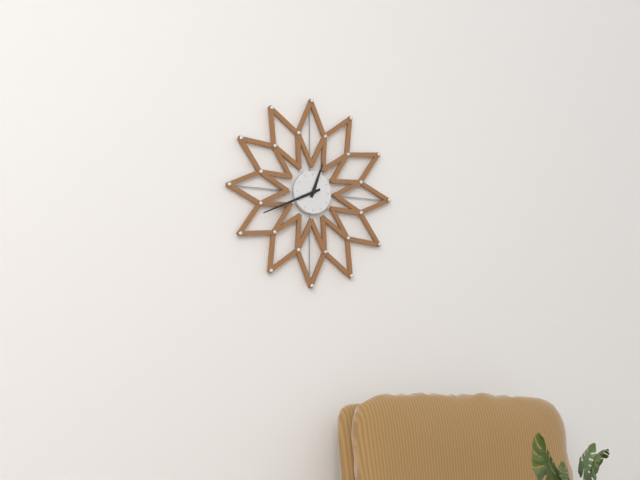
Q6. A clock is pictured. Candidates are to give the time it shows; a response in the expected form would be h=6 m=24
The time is h=12 m=41
